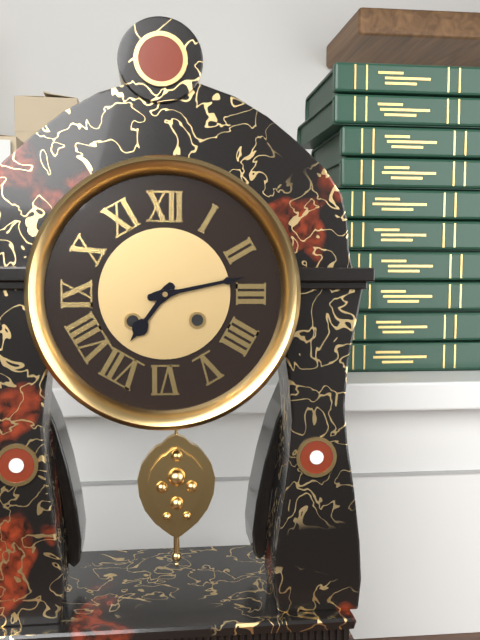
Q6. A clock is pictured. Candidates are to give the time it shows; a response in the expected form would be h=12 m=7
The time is h=7 m=13
